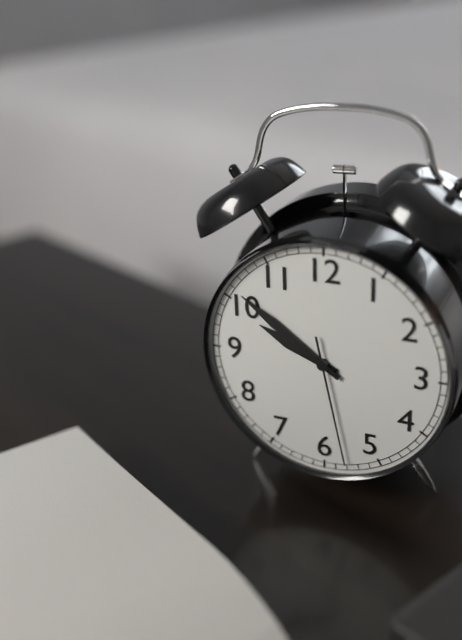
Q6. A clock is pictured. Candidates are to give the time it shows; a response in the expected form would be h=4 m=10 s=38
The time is h=9 m=51 s=28
